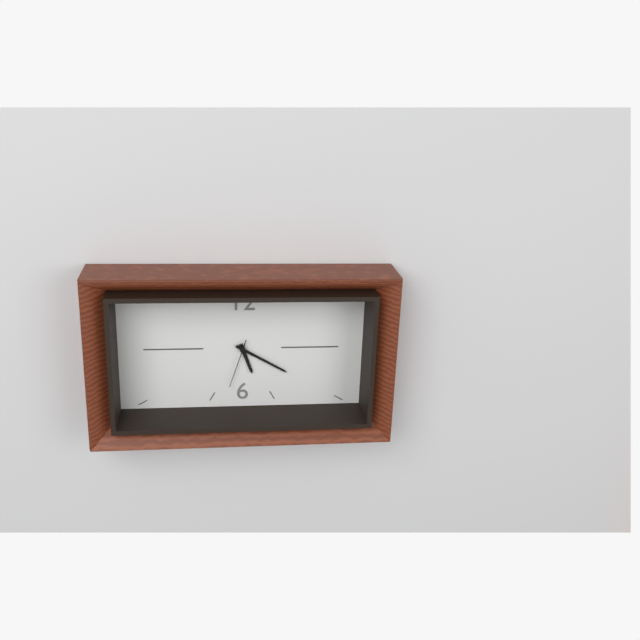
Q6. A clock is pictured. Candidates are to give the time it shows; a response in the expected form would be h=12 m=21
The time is h=5 m=20
